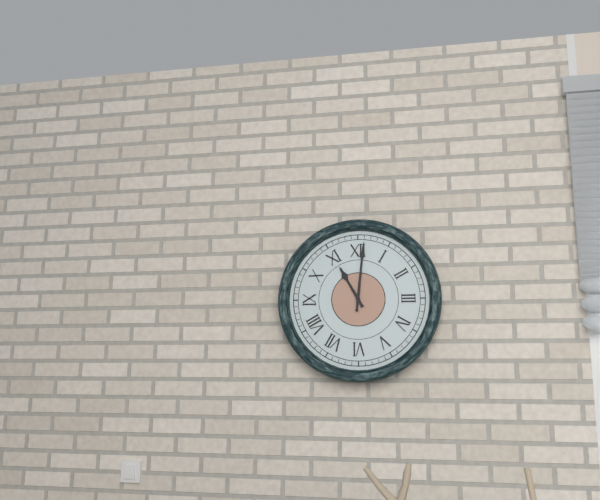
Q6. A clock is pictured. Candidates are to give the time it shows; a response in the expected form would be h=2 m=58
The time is h=11 m=1
